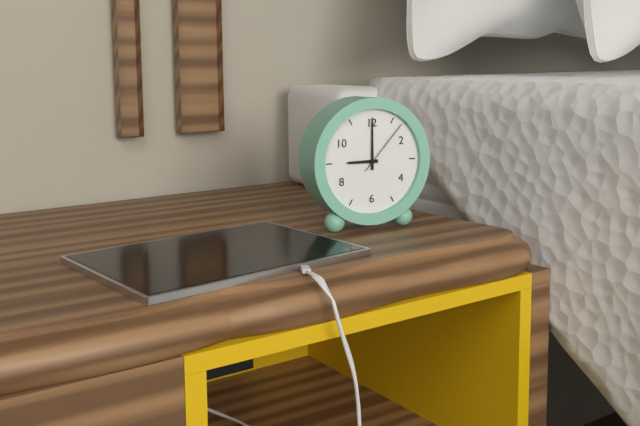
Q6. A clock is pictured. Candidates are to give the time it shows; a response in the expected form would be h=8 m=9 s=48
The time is h=9 m=0 s=7
